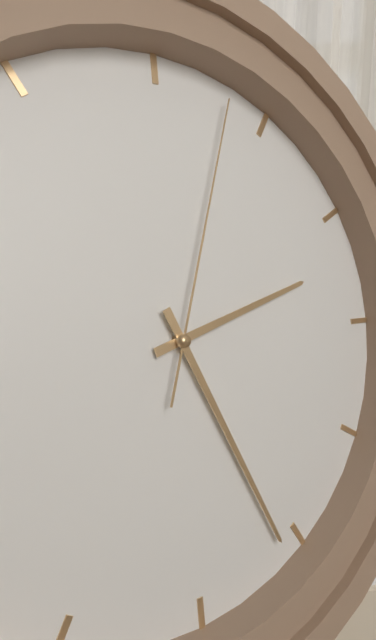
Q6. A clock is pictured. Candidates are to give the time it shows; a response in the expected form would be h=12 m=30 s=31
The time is h=2 m=26 s=3
